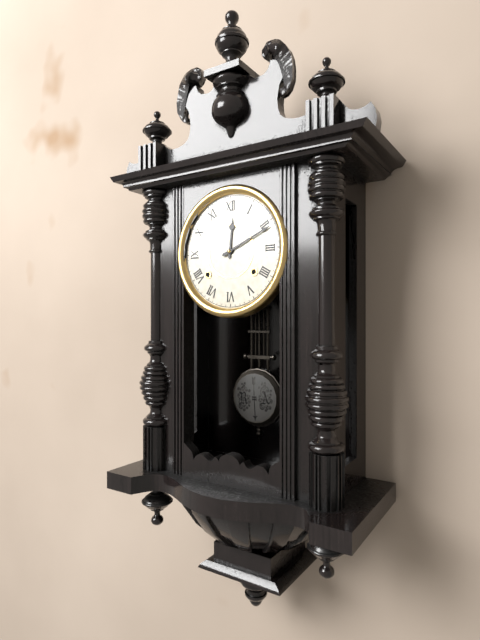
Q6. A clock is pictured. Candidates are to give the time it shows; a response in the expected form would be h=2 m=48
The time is h=12 m=11
